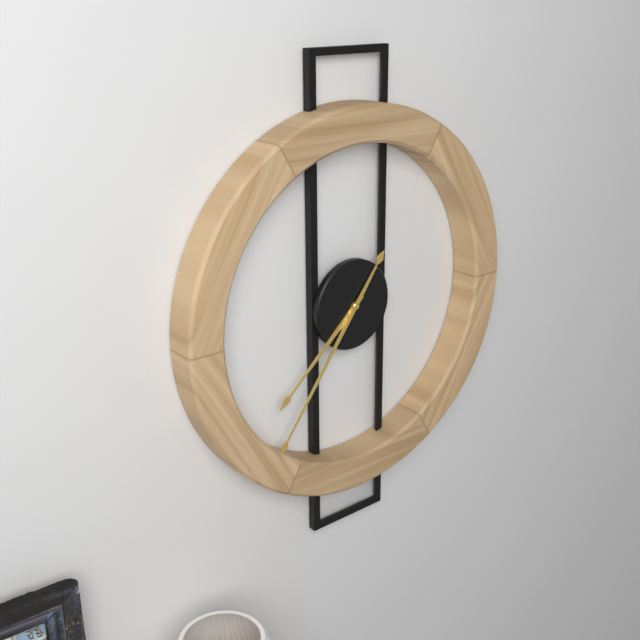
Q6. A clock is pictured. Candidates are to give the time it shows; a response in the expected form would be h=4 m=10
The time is h=7 m=36
